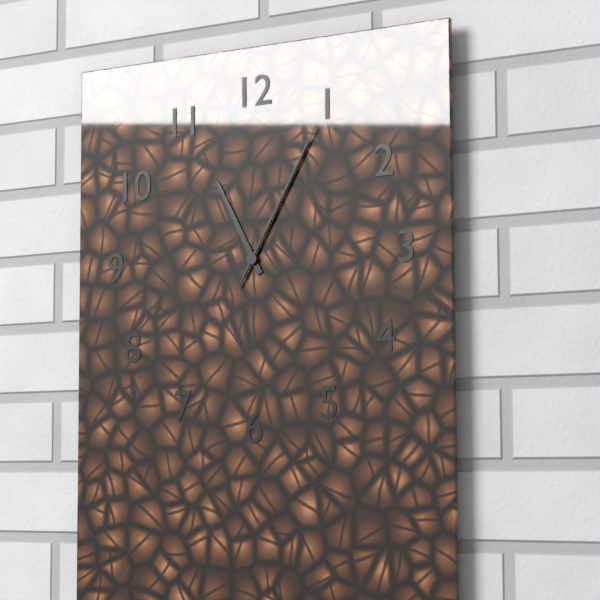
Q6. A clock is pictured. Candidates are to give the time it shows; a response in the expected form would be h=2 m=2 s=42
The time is h=11 m=5 s=5
